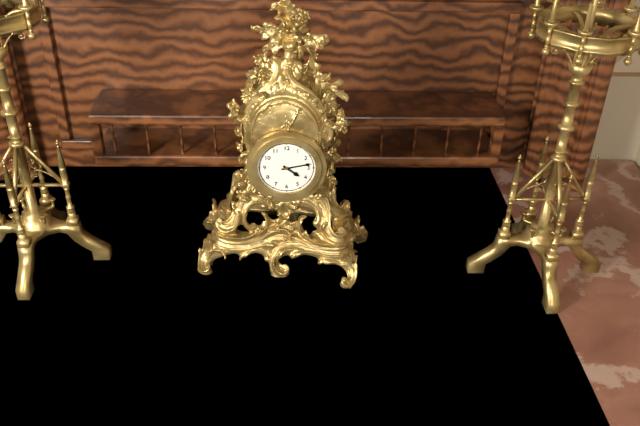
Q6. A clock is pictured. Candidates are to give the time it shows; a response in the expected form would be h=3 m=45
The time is h=4 m=13
